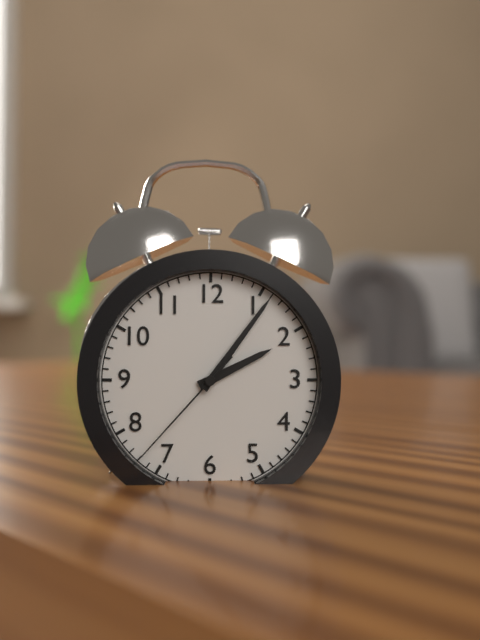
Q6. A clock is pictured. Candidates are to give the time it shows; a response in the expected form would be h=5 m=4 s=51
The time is h=2 m=6 s=37
